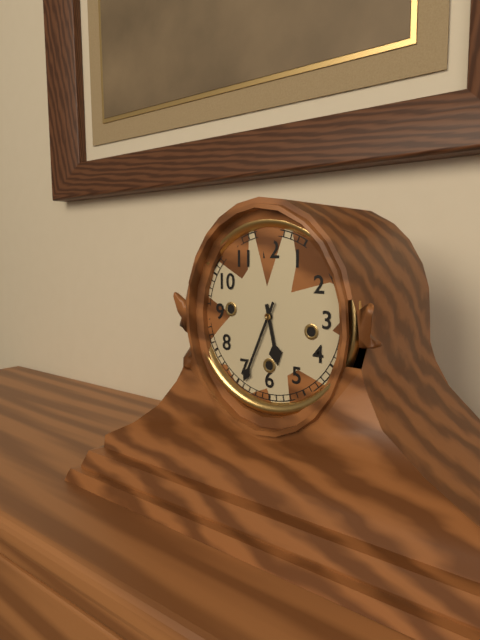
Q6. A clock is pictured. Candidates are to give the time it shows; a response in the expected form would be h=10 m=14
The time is h=5 m=34
